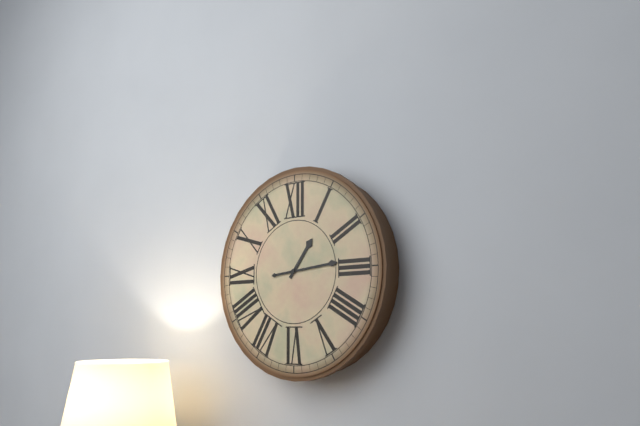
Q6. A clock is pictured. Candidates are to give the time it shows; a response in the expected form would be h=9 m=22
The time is h=1 m=14
